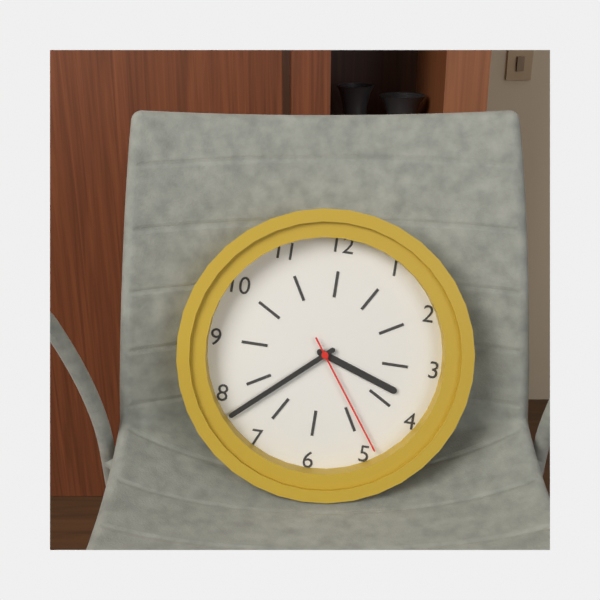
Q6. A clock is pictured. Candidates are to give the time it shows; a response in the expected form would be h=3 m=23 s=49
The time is h=3 m=38 s=24
